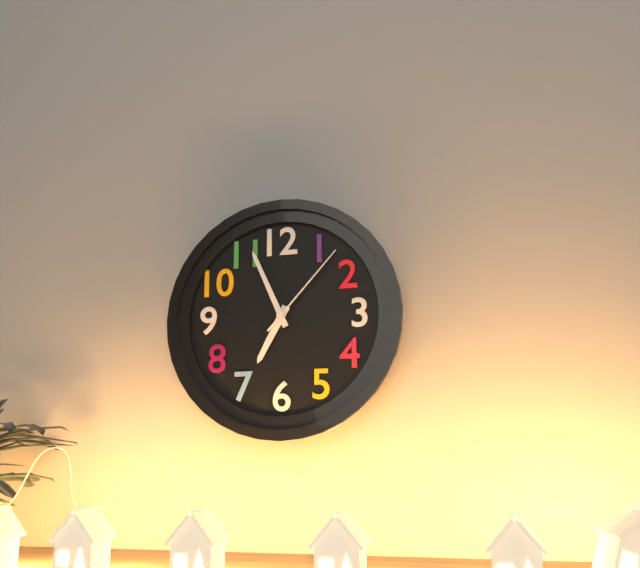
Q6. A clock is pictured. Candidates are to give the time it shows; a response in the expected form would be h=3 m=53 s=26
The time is h=6 m=56 s=7
